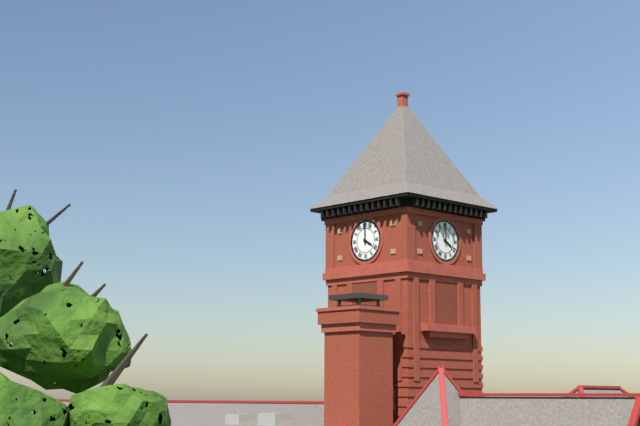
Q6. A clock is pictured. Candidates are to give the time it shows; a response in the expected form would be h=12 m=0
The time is h=4 m=0
